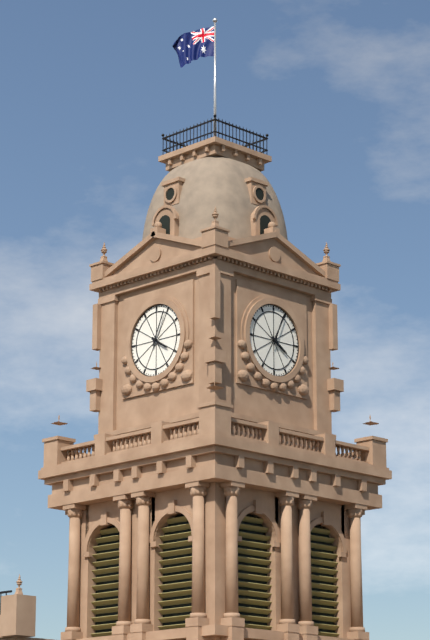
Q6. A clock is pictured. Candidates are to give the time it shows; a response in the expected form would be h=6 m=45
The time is h=4 m=4
